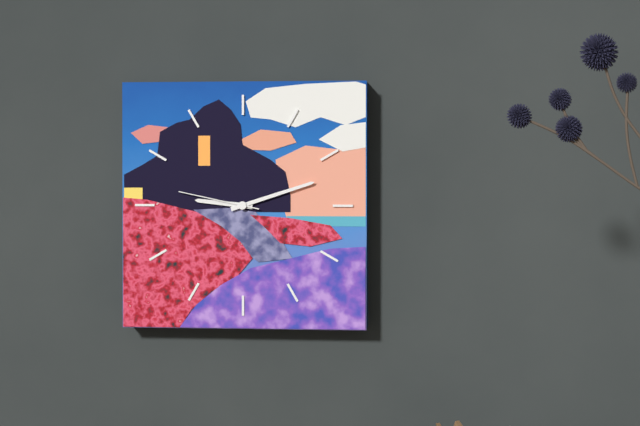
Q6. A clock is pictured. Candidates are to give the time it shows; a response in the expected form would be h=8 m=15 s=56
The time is h=9 m=12 s=47
